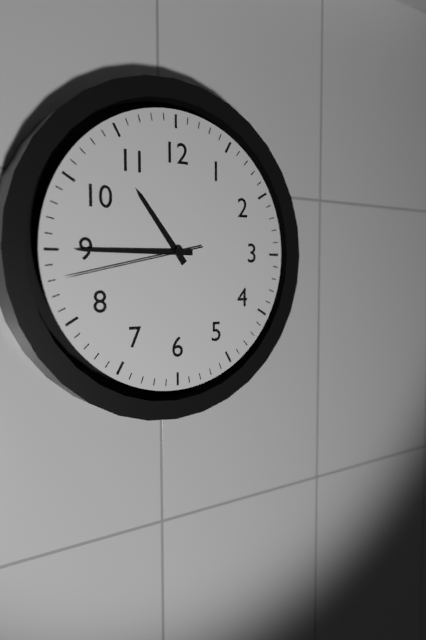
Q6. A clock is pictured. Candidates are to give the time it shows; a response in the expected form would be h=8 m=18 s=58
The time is h=10 m=45 s=43
